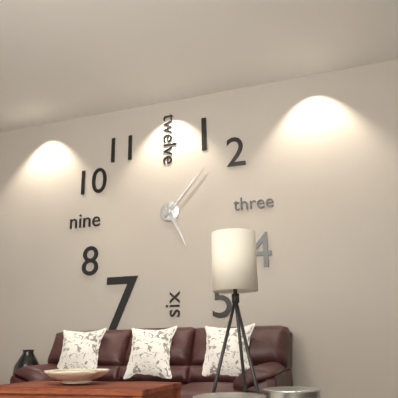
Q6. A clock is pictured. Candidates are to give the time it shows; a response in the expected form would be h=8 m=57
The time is h=5 m=7
